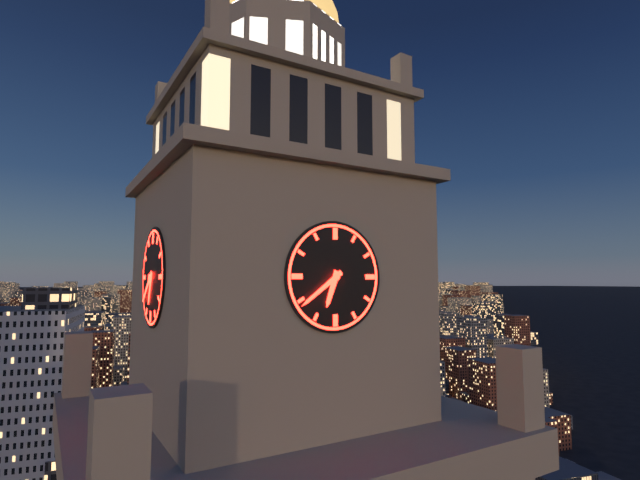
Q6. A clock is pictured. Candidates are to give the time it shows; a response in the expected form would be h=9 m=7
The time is h=6 m=39
